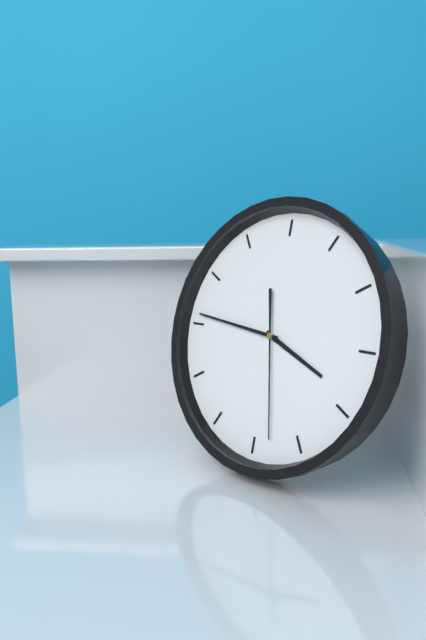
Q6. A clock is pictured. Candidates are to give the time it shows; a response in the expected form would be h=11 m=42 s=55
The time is h=3 m=46 s=28
